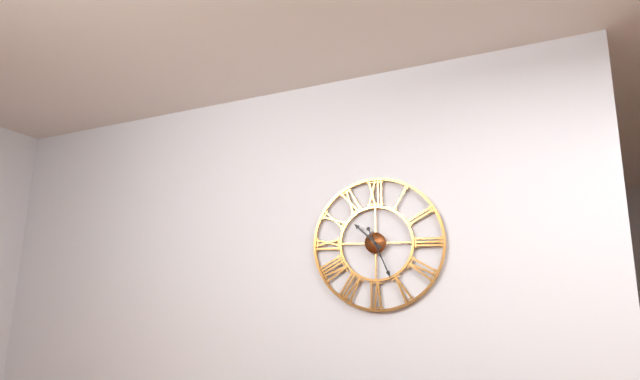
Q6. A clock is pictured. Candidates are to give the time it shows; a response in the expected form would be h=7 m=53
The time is h=10 m=26
